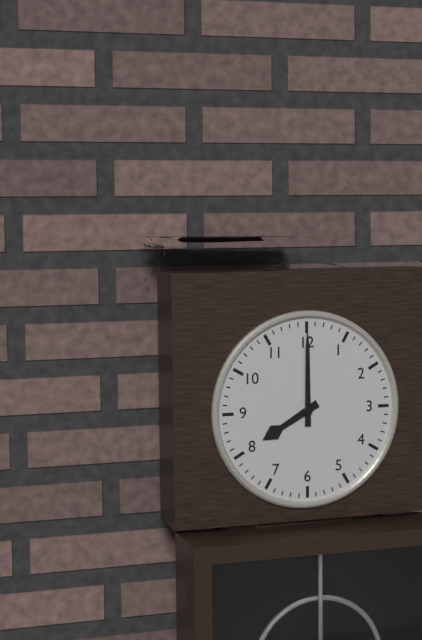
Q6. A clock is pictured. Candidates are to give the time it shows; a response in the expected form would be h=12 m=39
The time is h=8 m=0
